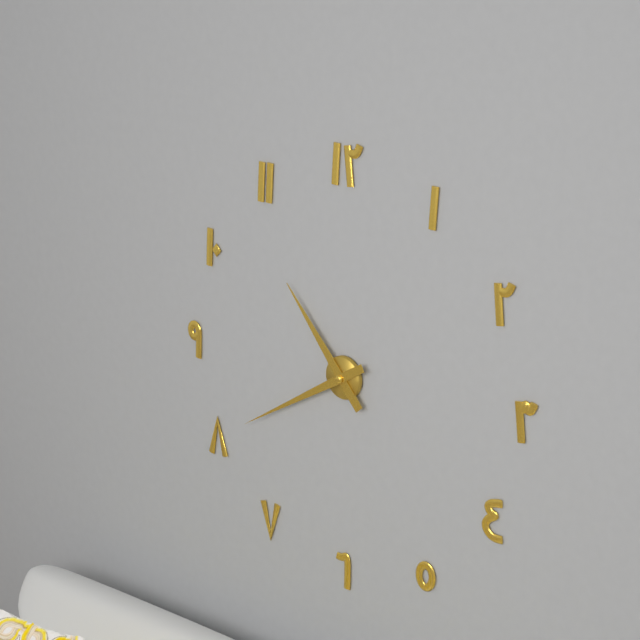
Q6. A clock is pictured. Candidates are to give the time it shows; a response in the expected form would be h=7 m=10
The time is h=10 m=40
